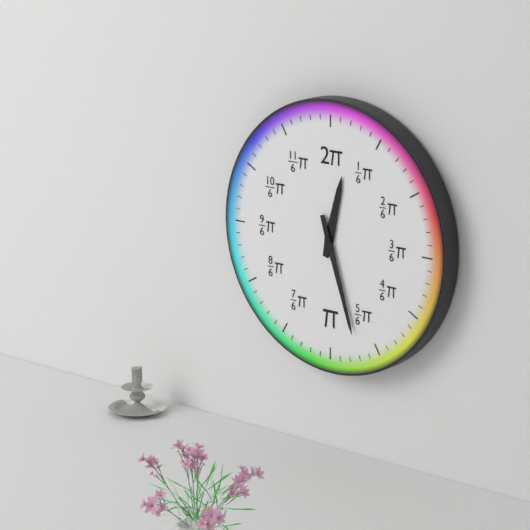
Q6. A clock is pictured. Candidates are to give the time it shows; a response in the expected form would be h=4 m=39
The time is h=12 m=27
